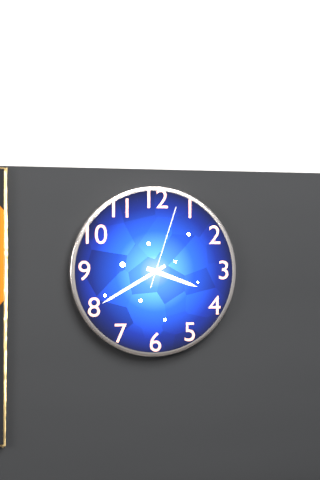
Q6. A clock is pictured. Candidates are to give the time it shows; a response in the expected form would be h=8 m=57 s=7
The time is h=3 m=40 s=3
